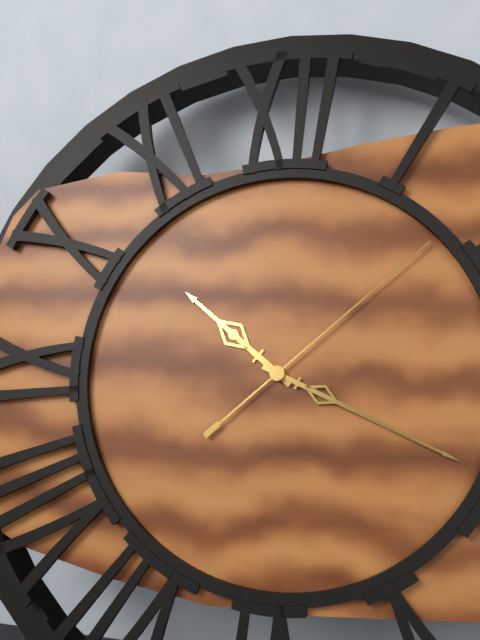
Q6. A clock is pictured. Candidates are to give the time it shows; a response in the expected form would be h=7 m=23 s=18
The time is h=10 m=19 s=8
